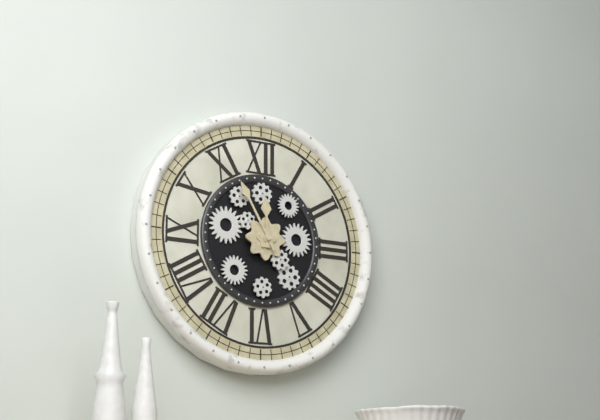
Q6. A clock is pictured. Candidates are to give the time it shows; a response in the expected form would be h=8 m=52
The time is h=11 m=55
